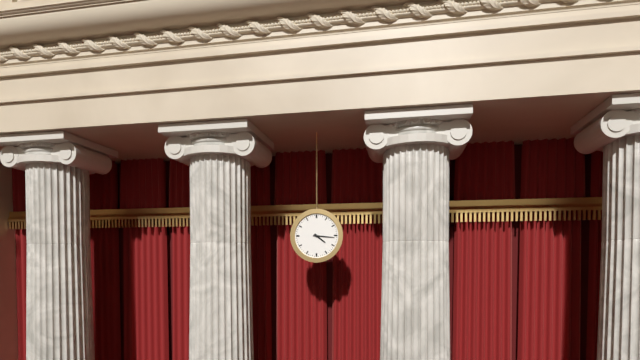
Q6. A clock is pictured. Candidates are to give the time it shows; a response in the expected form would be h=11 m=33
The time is h=4 m=16
